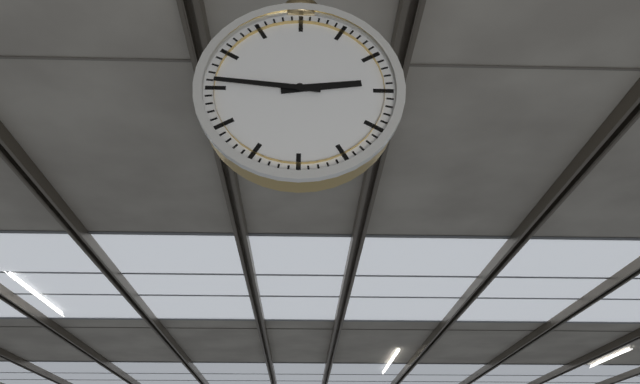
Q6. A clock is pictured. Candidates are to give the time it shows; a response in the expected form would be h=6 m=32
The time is h=2 m=46
